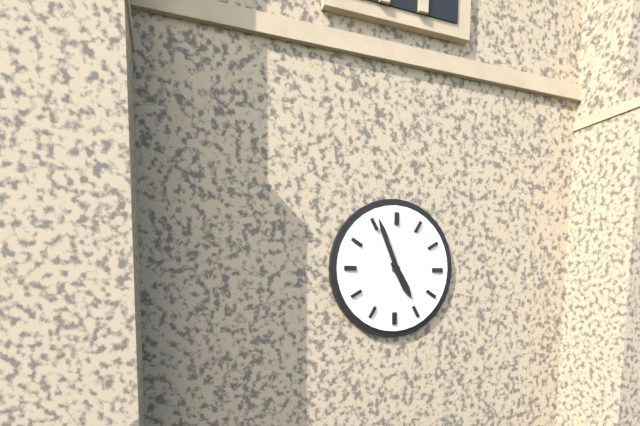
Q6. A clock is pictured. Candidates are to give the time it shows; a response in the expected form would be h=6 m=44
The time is h=4 m=56
